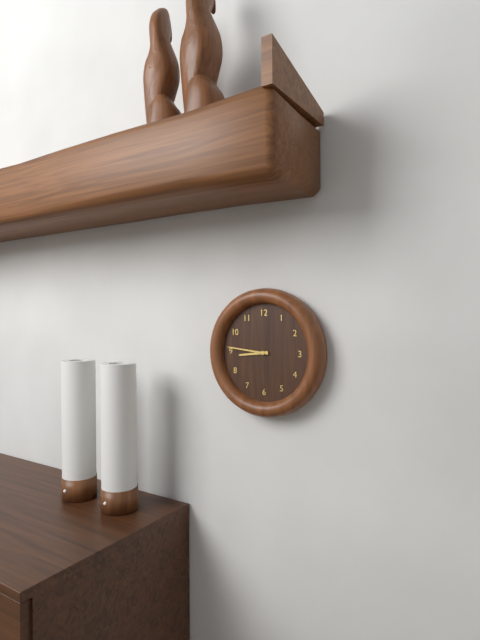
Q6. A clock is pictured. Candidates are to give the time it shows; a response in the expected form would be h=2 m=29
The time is h=8 m=46
